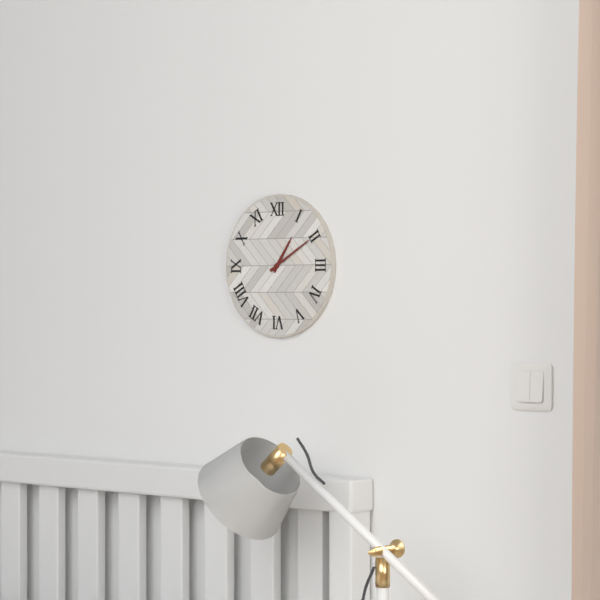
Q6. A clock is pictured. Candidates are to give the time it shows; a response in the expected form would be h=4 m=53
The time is h=1 m=10
